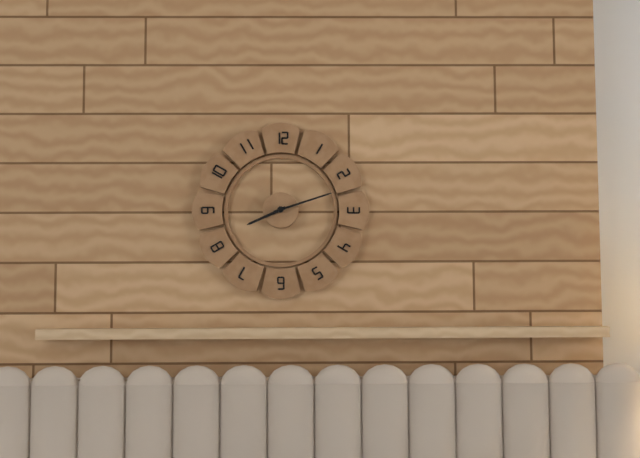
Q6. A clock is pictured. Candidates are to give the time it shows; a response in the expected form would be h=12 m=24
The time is h=8 m=12
